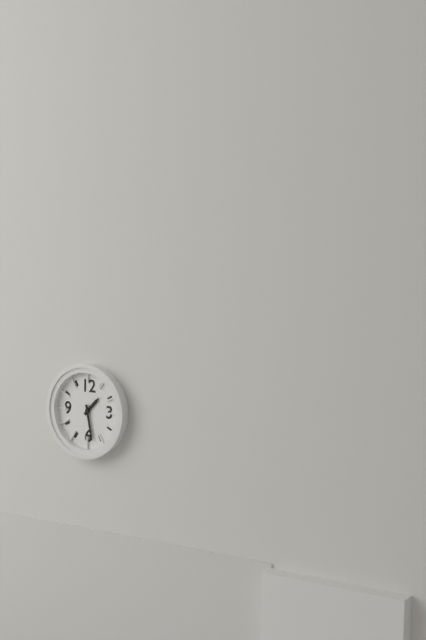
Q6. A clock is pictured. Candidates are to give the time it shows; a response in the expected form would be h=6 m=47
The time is h=1 m=28
